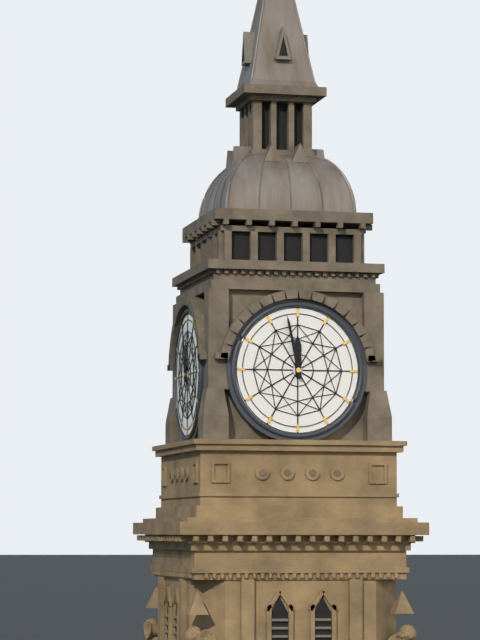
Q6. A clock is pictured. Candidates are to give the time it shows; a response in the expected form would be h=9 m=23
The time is h=11 m=58
